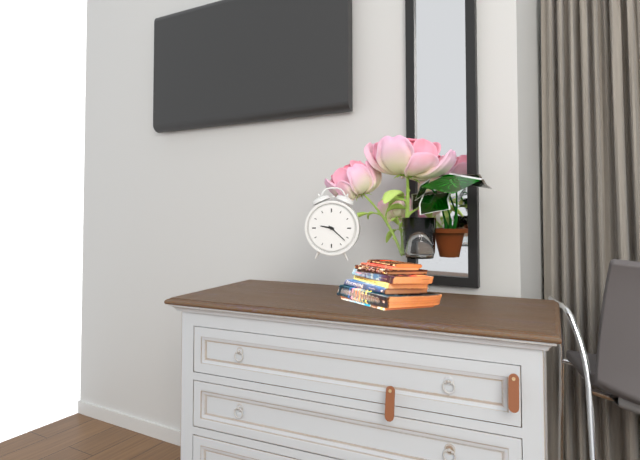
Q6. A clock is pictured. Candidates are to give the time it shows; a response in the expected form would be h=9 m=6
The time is h=9 m=22
